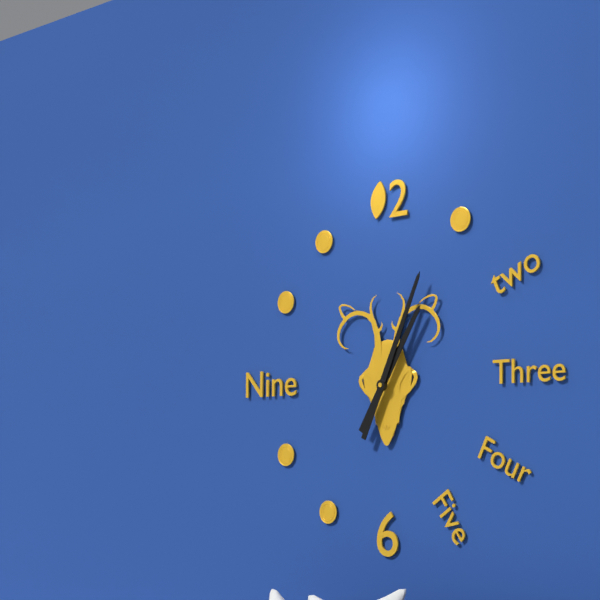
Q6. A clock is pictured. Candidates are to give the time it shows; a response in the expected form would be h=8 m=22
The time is h=1 m=4
